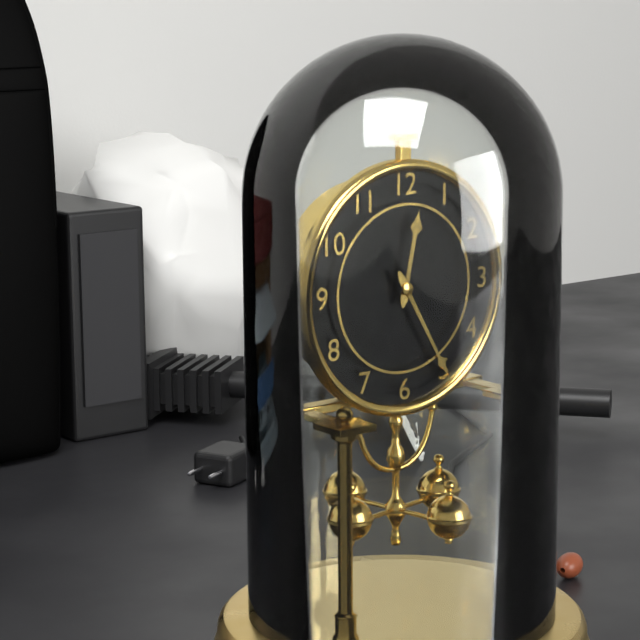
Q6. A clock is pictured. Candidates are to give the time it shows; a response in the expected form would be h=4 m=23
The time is h=12 m=25
